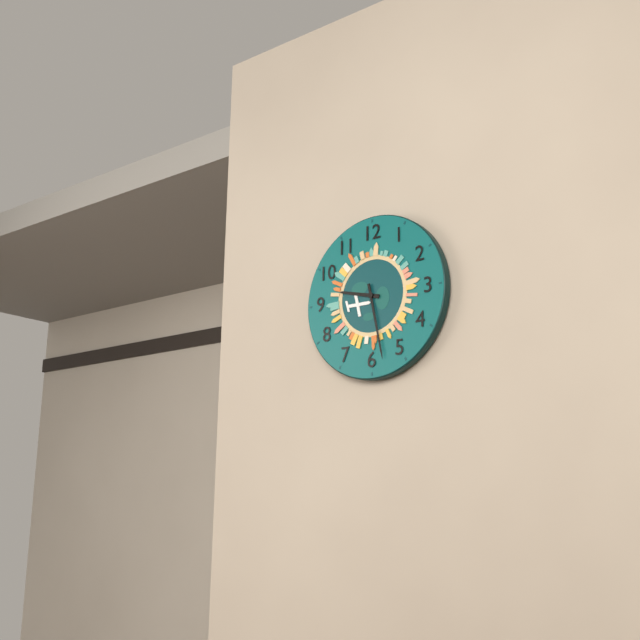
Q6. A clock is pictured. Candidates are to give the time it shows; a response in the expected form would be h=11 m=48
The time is h=9 m=28
